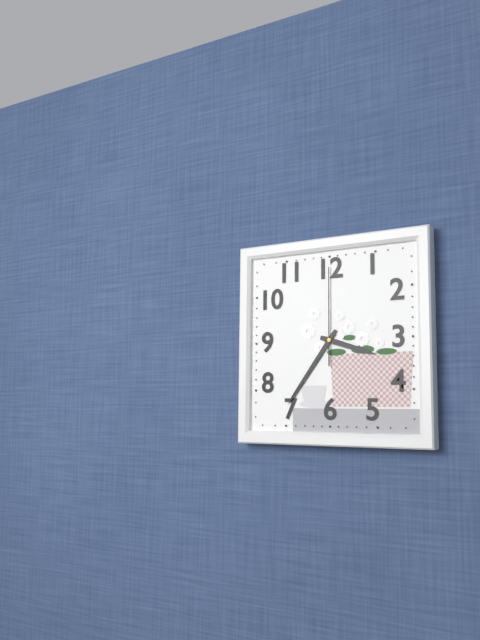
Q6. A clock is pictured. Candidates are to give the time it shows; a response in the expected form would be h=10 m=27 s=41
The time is h=3 m=36 s=0
